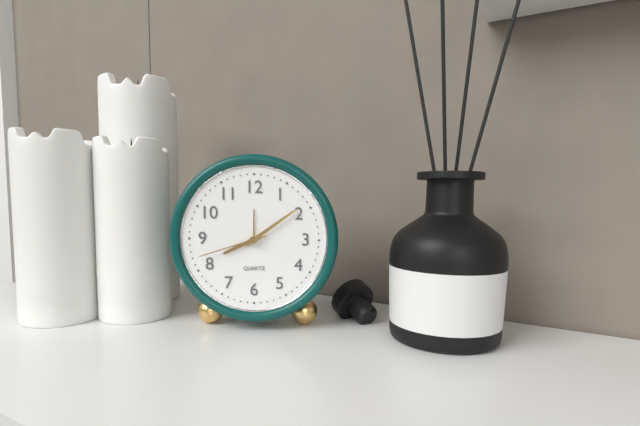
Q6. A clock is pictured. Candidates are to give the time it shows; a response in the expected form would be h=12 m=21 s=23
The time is h=8 m=9 s=42
